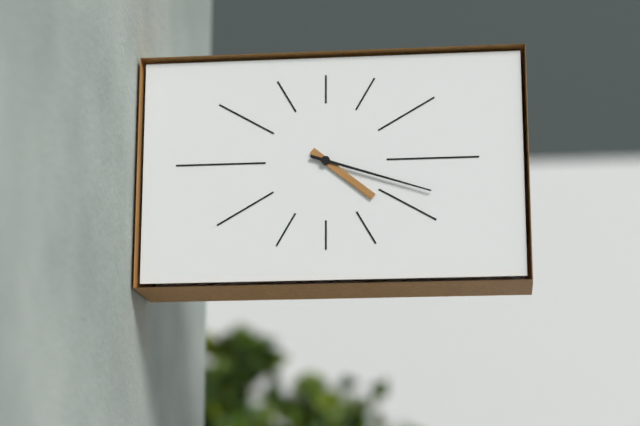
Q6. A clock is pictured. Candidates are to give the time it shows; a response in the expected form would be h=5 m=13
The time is h=4 m=18
